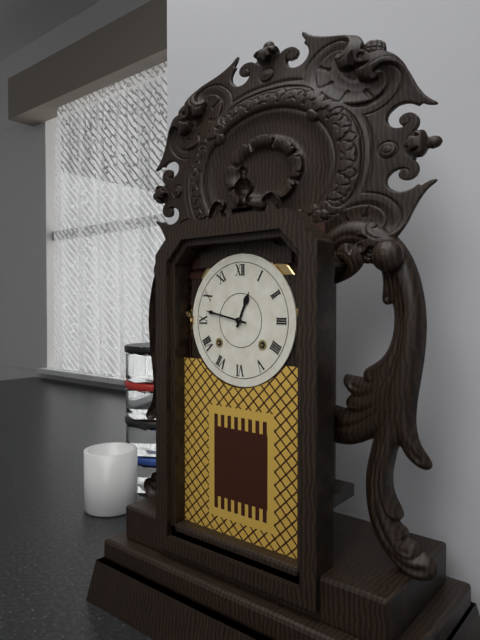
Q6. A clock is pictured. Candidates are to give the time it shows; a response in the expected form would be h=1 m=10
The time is h=12 m=47
